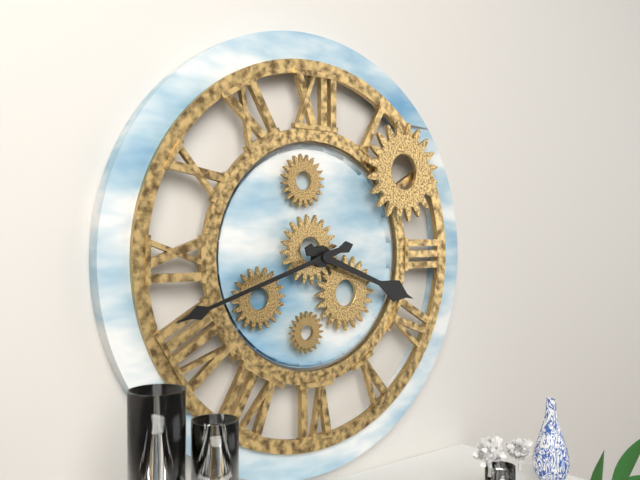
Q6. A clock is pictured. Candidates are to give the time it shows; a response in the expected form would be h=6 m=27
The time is h=3 m=42
